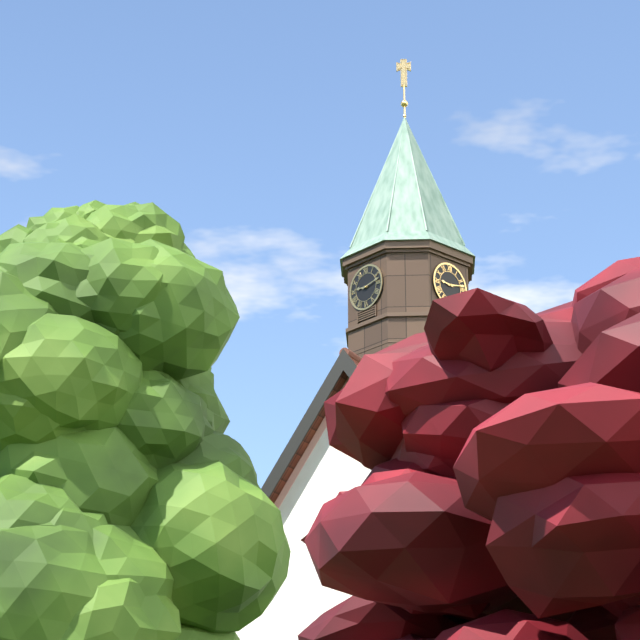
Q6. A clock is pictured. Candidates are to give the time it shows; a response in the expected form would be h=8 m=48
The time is h=9 m=13
